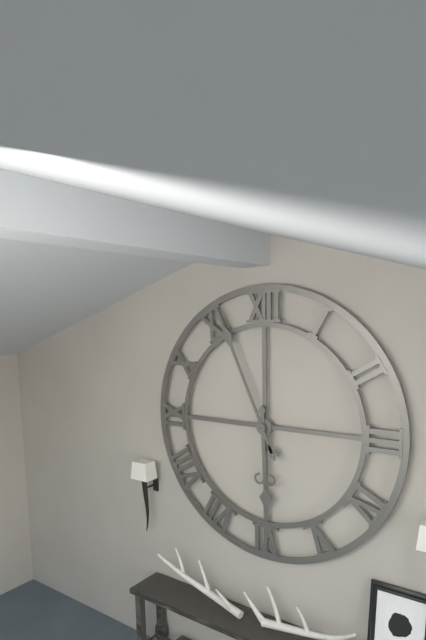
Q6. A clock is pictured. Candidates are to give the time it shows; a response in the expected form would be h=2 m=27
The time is h=5 m=56
